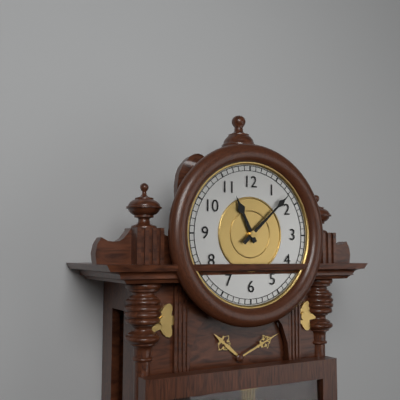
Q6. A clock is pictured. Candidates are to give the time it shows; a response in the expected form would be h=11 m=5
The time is h=11 m=8
